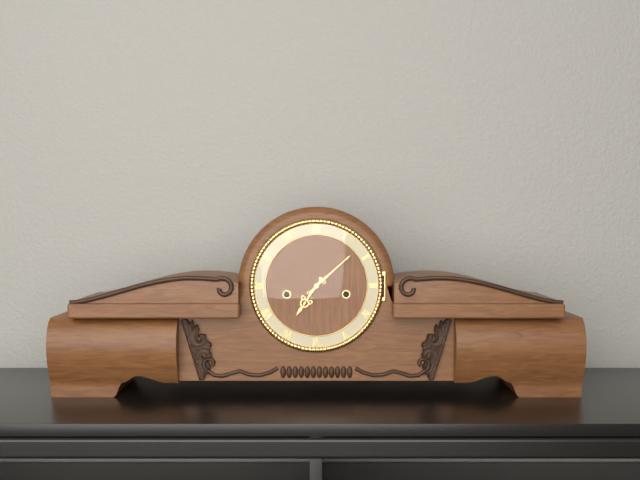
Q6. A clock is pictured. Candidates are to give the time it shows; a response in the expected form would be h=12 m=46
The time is h=7 m=8
